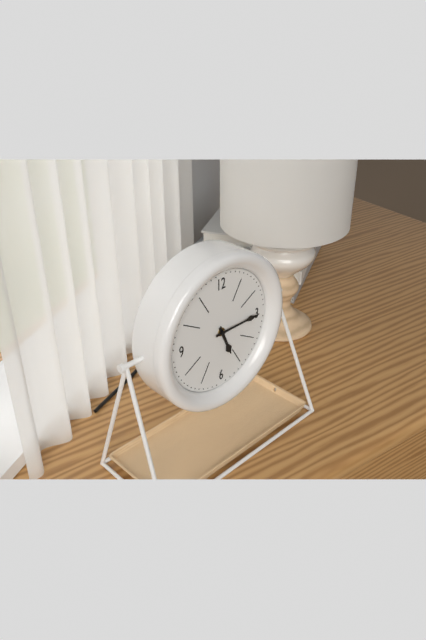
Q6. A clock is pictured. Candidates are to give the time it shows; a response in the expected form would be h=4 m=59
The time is h=5 m=15
